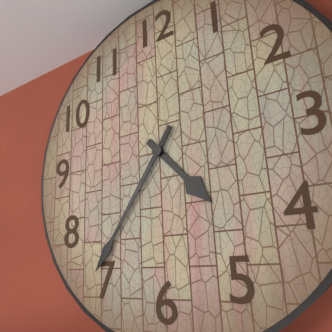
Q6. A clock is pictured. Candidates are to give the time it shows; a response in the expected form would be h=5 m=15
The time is h=4 m=36
